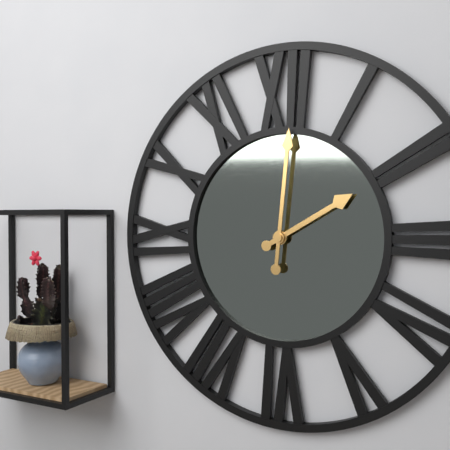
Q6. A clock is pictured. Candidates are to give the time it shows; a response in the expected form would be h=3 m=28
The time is h=2 m=1
